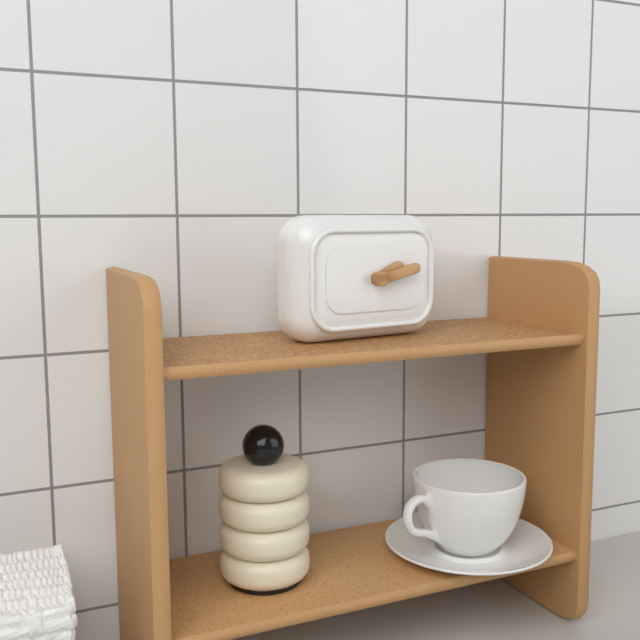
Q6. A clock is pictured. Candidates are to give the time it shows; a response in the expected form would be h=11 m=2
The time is h=2 m=13
